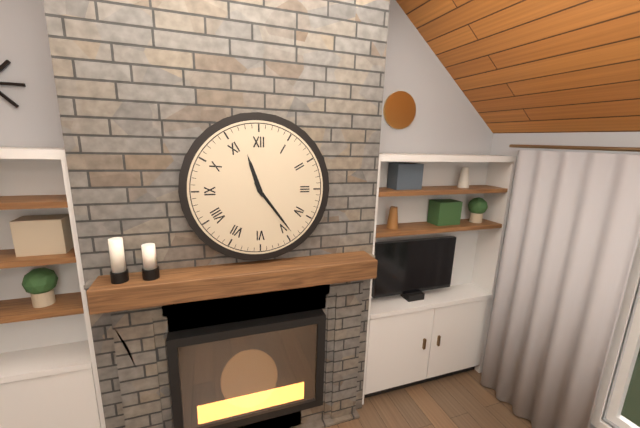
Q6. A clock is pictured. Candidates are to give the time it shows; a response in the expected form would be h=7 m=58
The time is h=11 m=24
